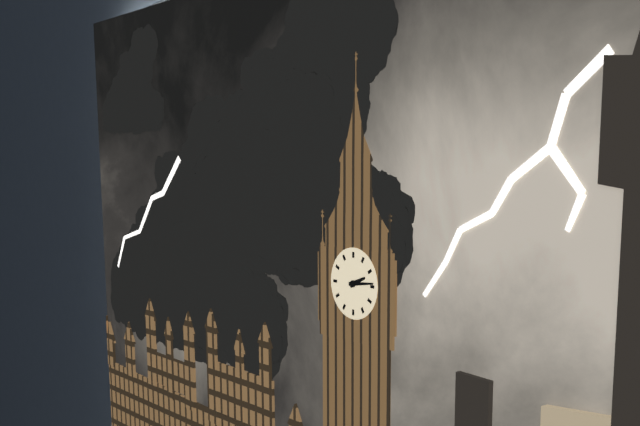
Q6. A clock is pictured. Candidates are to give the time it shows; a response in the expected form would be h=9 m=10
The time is h=2 m=14
